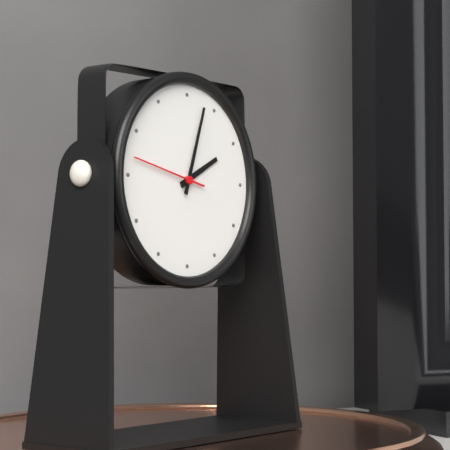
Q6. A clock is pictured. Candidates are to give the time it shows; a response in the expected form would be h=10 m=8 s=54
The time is h=2 m=3 s=47
